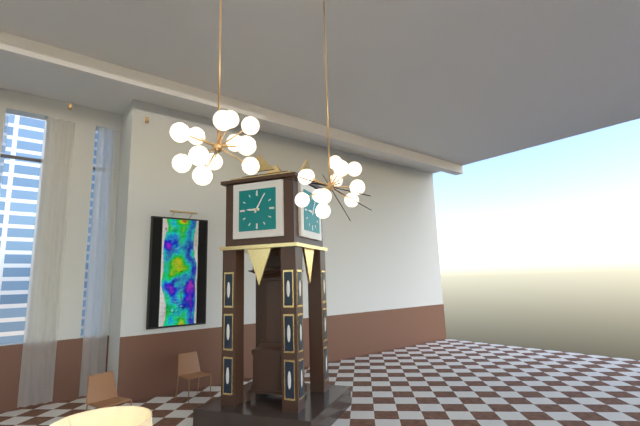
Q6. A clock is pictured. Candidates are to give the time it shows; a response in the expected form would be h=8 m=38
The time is h=9 m=5
